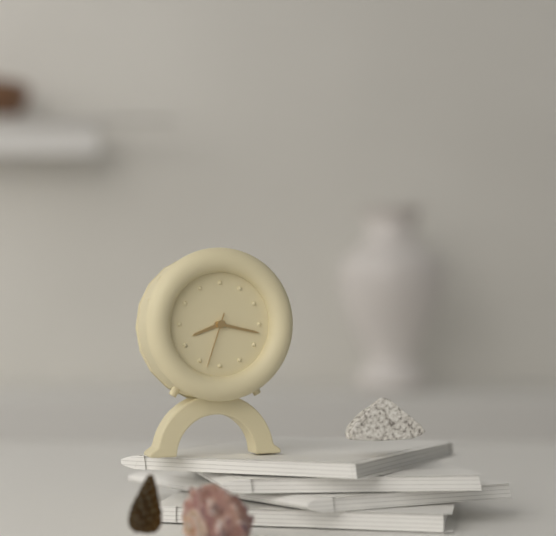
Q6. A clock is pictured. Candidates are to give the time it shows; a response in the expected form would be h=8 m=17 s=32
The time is h=8 m=17 s=33
